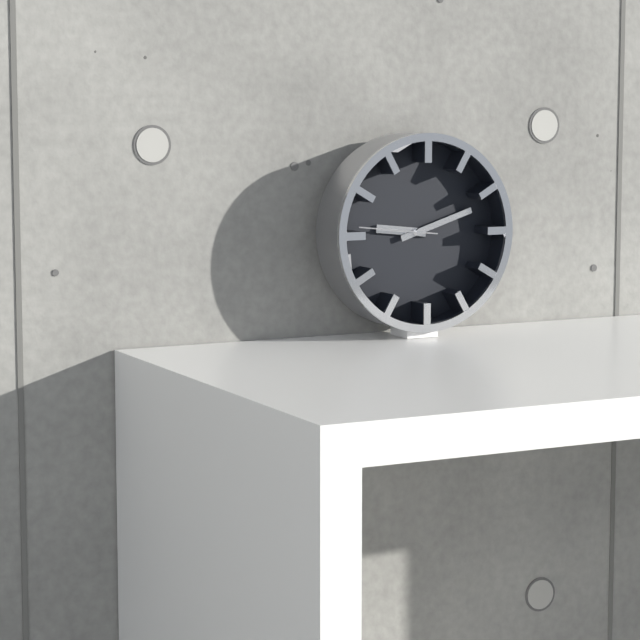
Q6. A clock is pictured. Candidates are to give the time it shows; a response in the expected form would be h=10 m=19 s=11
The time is h=9 m=12 s=46
